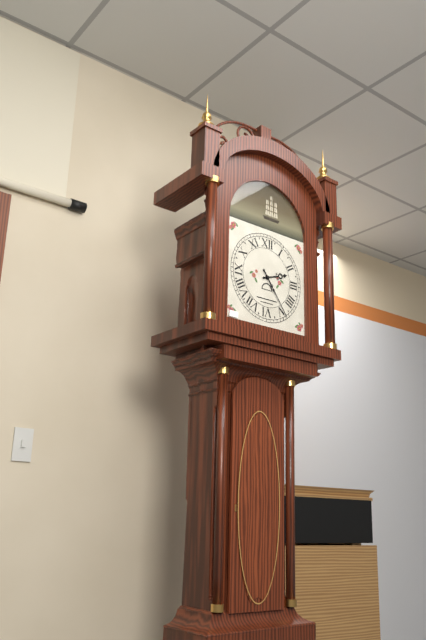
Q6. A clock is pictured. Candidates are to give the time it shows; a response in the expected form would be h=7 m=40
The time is h=2 m=24
